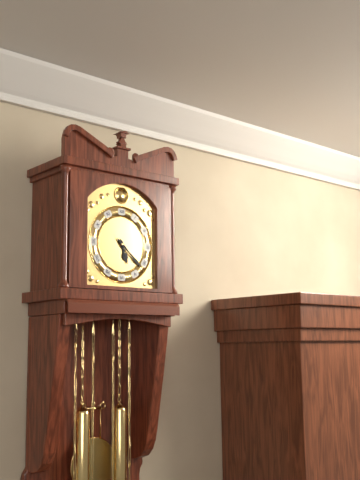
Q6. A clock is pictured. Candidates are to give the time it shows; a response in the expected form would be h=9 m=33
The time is h=5 m=22
